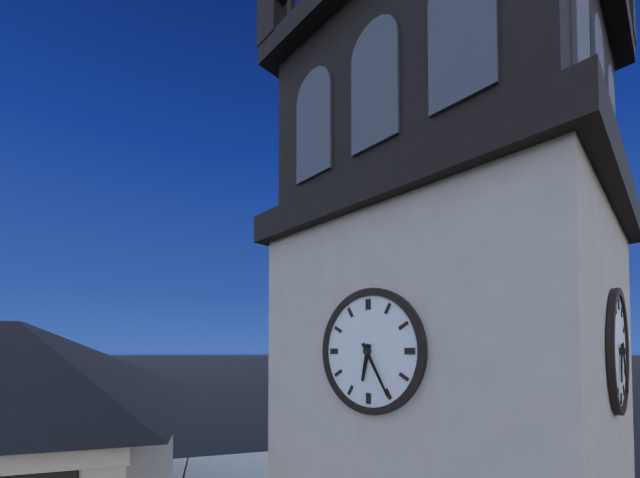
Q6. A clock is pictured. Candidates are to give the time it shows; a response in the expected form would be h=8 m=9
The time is h=6 m=25
